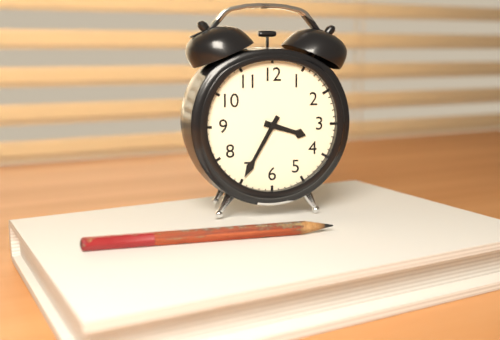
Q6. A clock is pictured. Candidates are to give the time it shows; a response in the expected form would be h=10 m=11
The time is h=3 m=35
